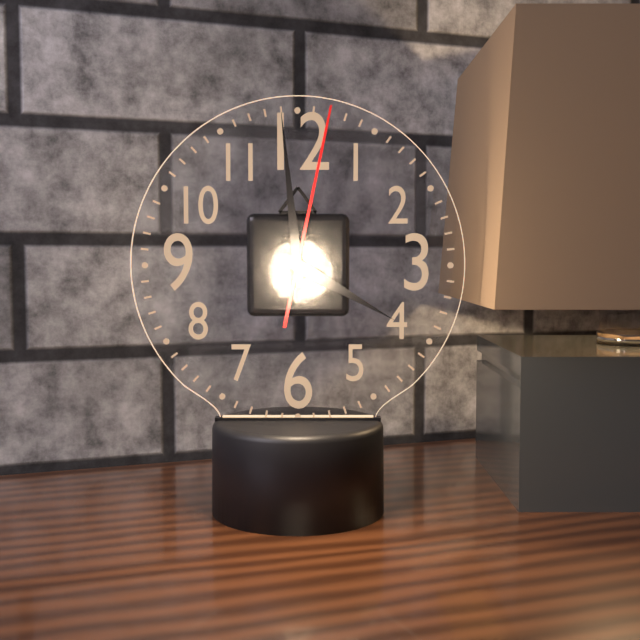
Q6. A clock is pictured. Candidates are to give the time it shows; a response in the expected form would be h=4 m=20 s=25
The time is h=3 m=59 s=2
